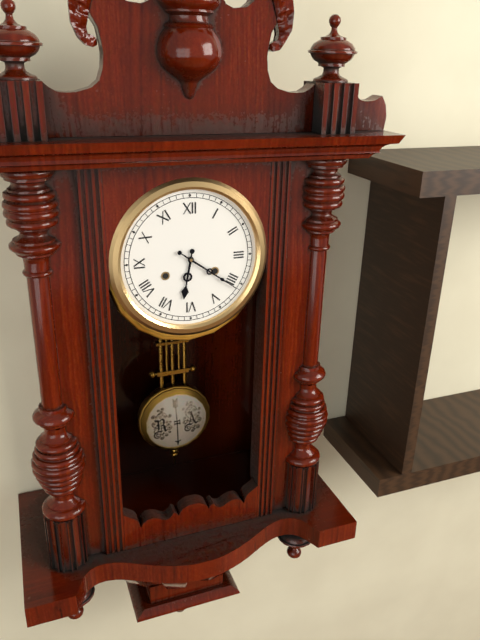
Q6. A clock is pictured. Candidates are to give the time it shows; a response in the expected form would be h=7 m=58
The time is h=6 m=21
